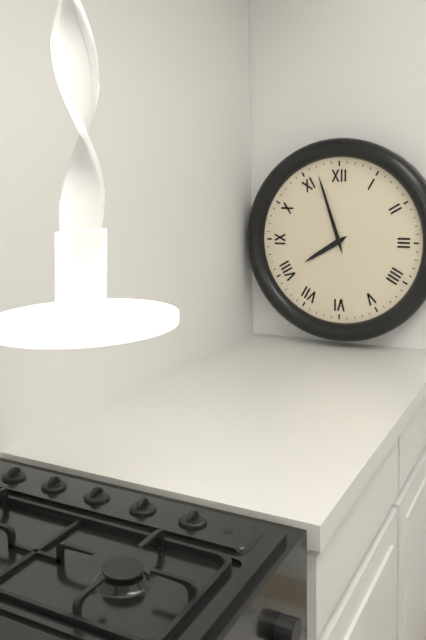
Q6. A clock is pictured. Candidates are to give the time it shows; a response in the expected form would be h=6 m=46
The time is h=7 m=57
